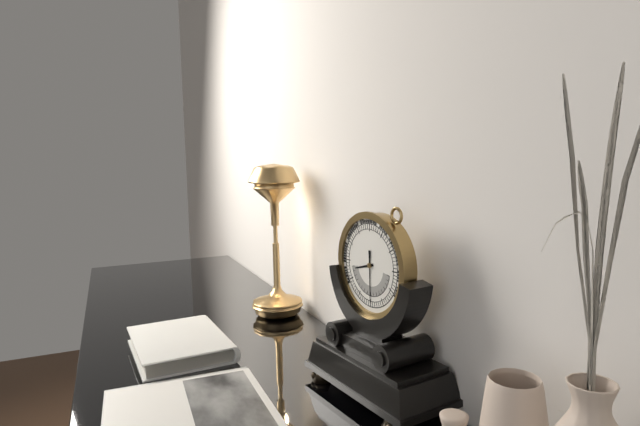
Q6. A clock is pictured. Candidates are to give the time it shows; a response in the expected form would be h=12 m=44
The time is h=8 m=30
